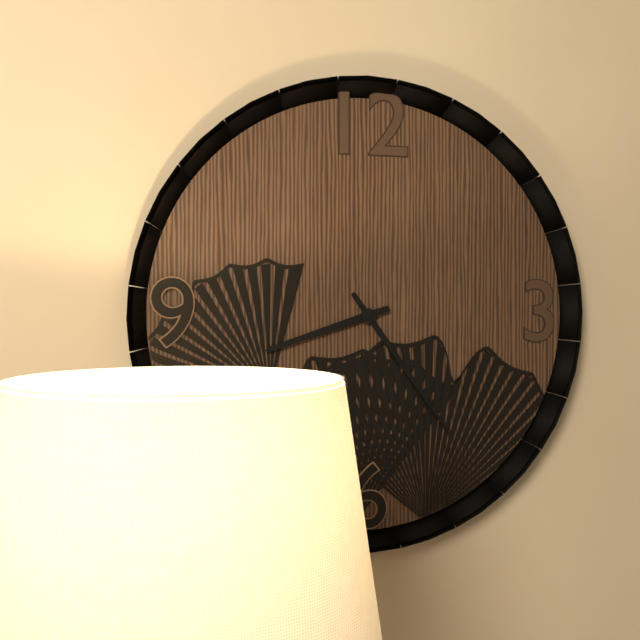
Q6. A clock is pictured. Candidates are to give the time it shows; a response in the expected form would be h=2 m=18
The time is h=8 m=24
